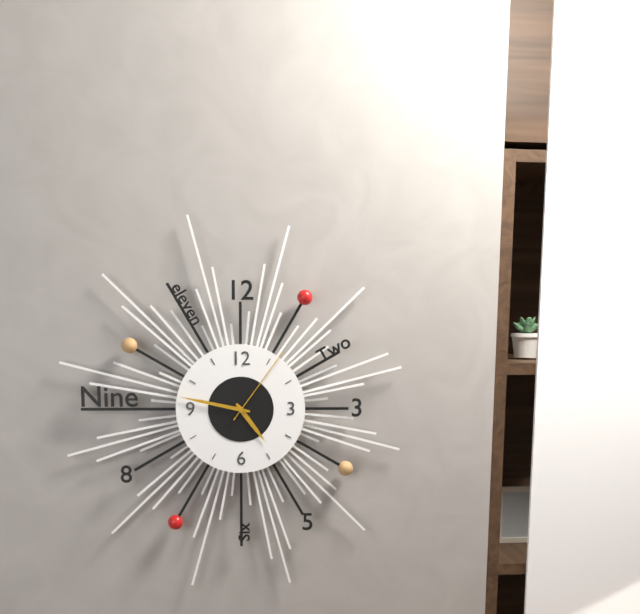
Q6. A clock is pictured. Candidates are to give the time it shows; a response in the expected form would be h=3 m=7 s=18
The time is h=4 m=47 s=6
